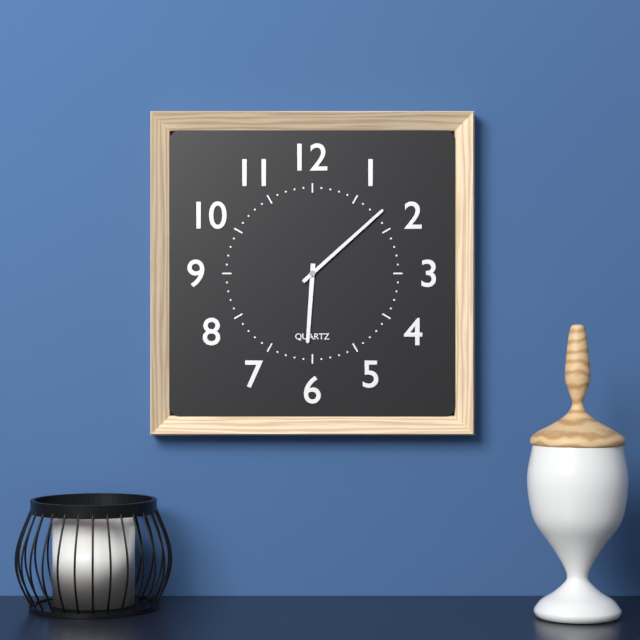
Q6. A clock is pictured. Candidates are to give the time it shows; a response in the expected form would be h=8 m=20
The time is h=6 m=8
